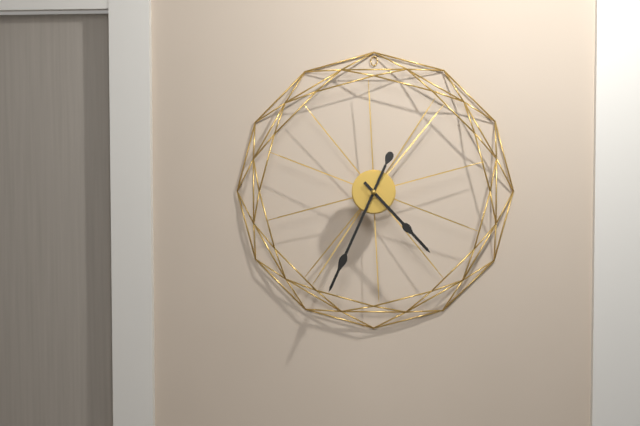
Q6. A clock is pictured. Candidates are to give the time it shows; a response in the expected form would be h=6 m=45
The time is h=4 m=34
